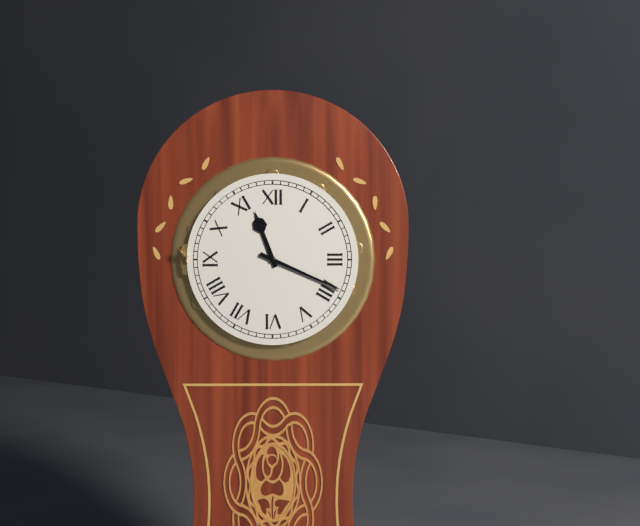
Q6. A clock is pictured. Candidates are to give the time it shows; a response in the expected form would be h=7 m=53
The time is h=11 m=19
